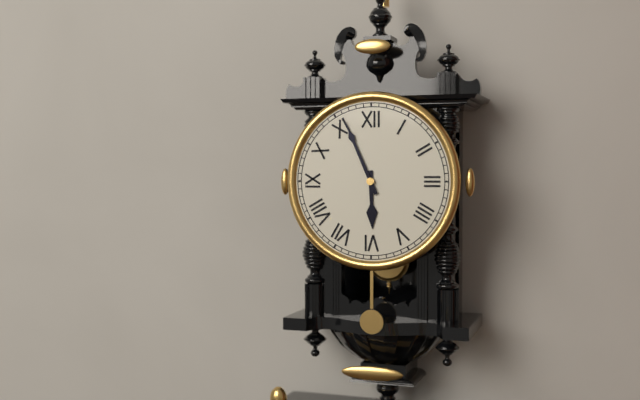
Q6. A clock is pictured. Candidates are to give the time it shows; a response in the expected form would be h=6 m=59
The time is h=5 m=56
